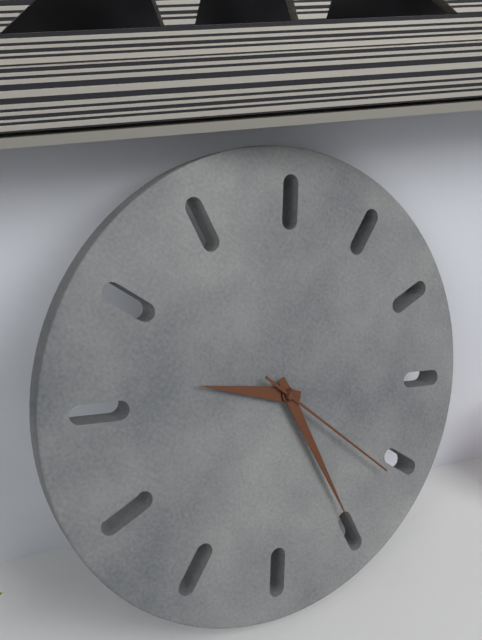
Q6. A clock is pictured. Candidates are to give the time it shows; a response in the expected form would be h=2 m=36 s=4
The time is h=8 m=20 s=16
